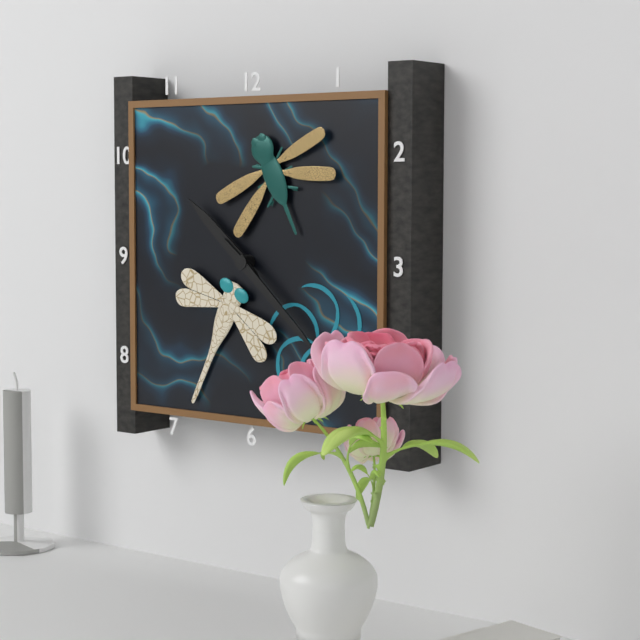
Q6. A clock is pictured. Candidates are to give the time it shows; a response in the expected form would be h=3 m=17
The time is h=10 m=22
